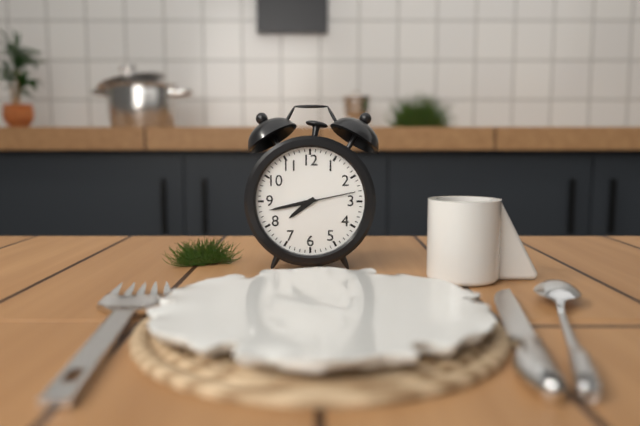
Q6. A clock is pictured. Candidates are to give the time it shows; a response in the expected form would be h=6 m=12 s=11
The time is h=7 m=43 s=13
